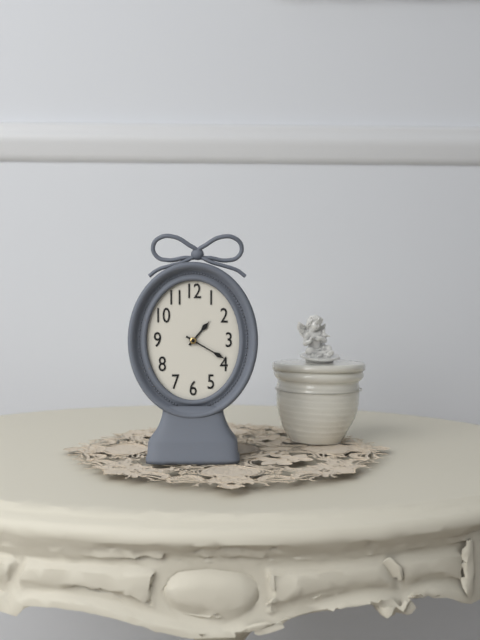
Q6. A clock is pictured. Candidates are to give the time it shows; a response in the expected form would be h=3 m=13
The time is h=1 m=20
